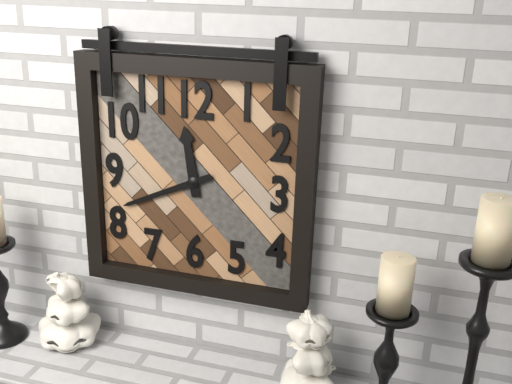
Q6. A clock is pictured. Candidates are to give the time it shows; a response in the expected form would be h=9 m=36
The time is h=11 m=41
